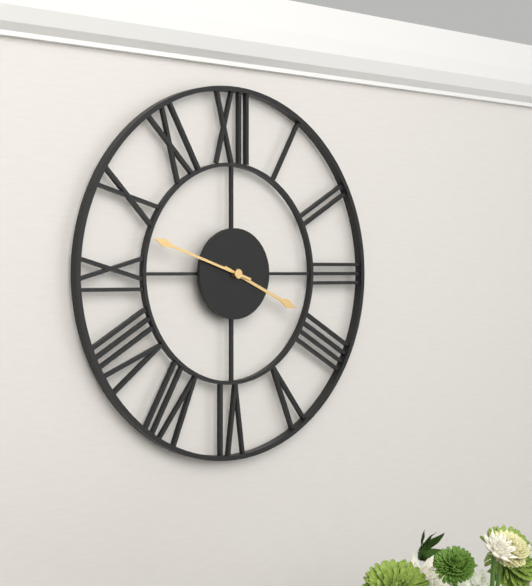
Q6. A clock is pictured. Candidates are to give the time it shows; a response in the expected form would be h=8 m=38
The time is h=3 m=48
